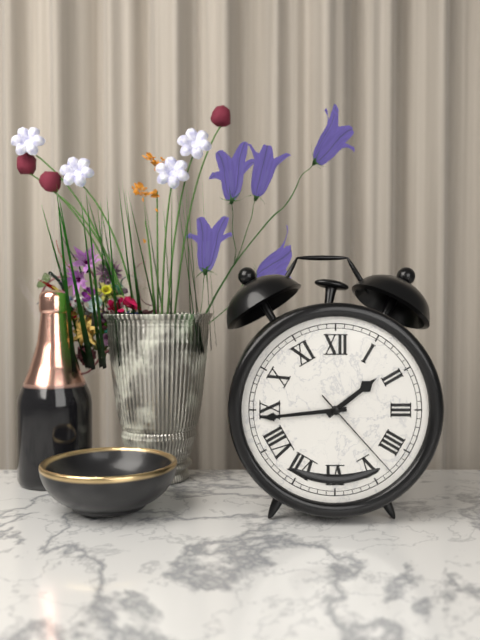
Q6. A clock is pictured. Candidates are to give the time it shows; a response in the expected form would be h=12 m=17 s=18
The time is h=1 m=44 s=23
